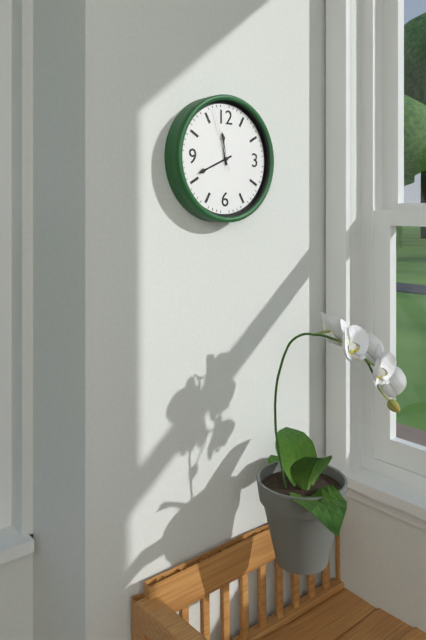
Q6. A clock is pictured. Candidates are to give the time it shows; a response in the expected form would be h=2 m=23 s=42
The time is h=11 m=41 s=57
